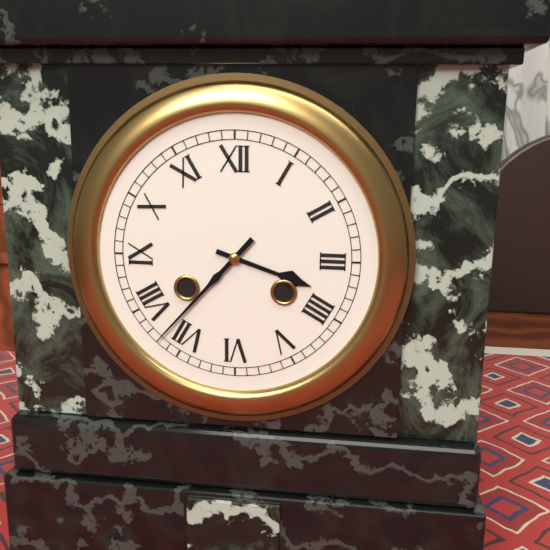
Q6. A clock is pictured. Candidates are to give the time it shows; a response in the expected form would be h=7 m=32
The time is h=3 m=37
